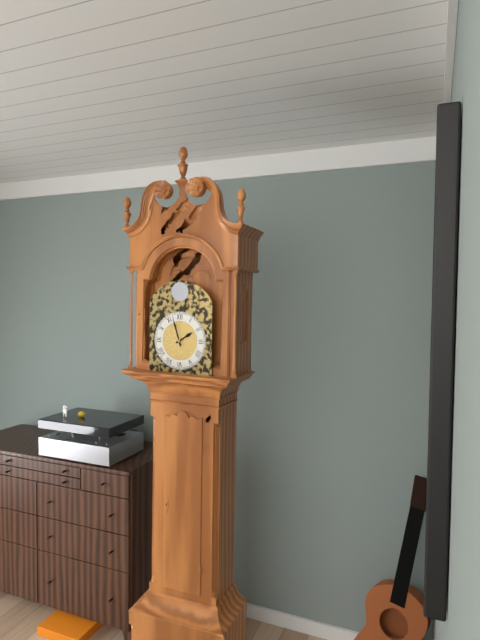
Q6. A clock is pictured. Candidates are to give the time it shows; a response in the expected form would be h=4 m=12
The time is h=1 m=57
